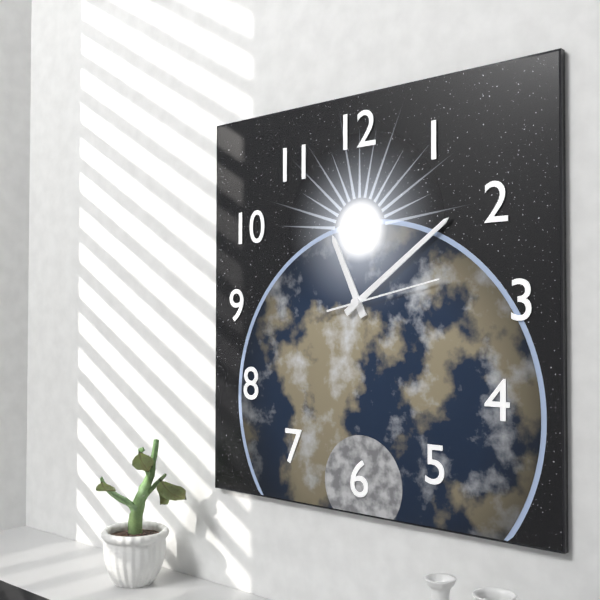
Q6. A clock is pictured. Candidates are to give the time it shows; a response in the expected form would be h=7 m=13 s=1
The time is h=11 m=9 s=13
